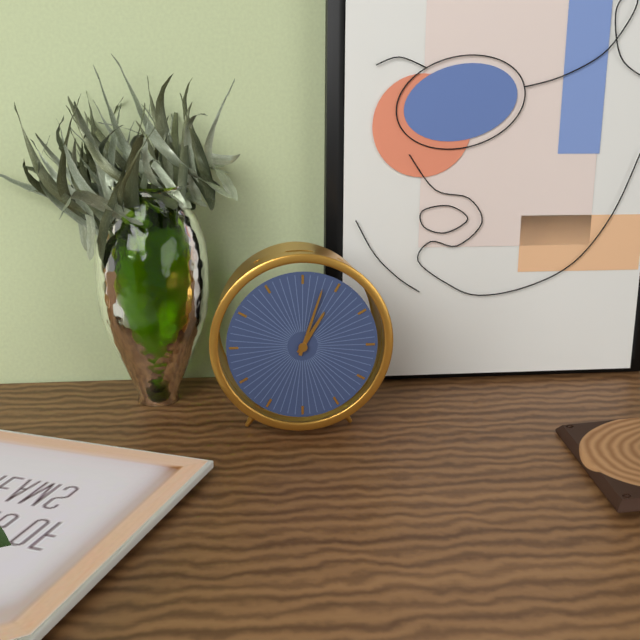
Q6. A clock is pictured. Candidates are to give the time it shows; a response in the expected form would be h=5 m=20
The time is h=1 m=3
